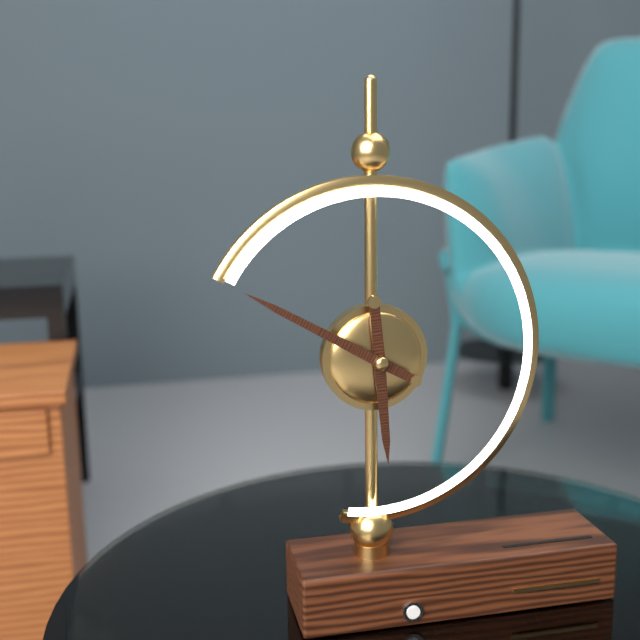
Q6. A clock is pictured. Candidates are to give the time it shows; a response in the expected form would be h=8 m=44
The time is h=5 m=50
